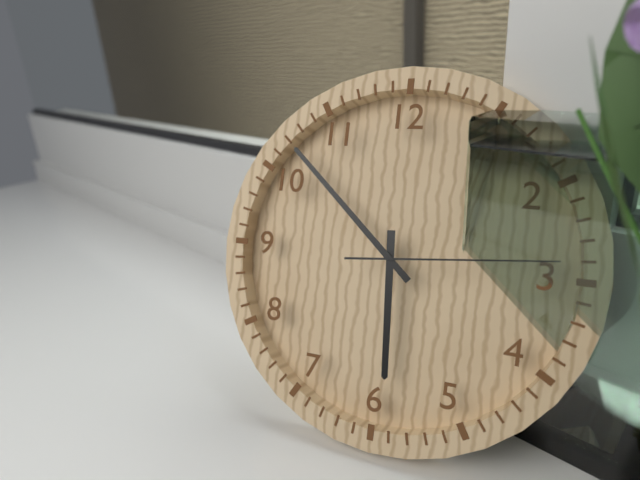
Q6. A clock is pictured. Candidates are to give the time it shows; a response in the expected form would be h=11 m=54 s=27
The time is h=5 m=52 s=14
